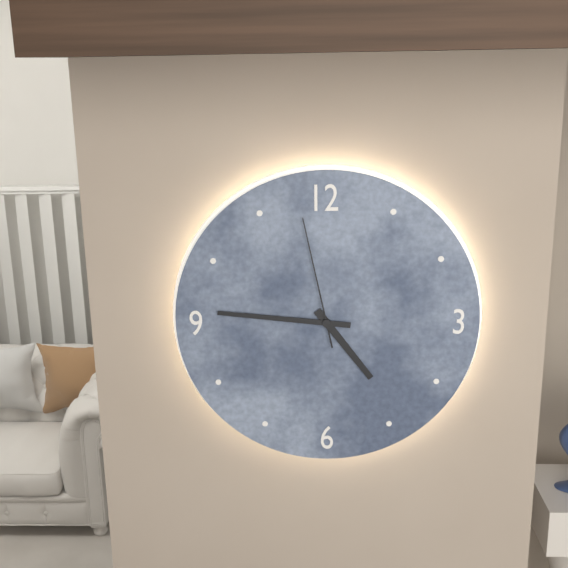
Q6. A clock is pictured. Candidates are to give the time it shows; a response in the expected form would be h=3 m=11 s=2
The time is h=4 m=46 s=58
